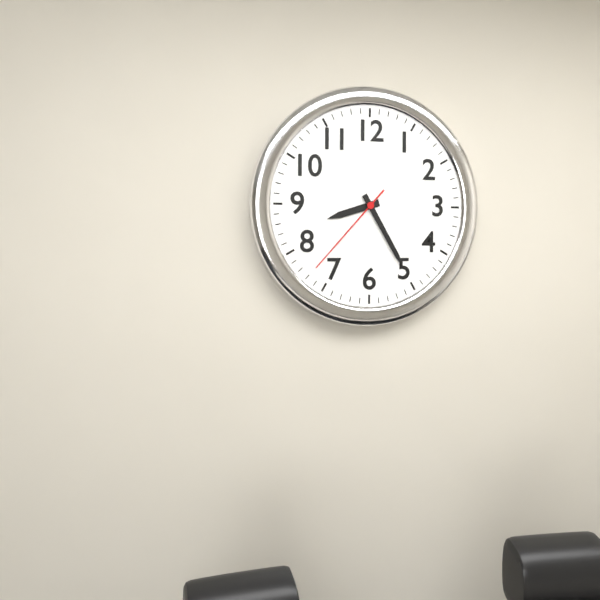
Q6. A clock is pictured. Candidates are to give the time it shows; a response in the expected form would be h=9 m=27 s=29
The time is h=8 m=25 s=37
